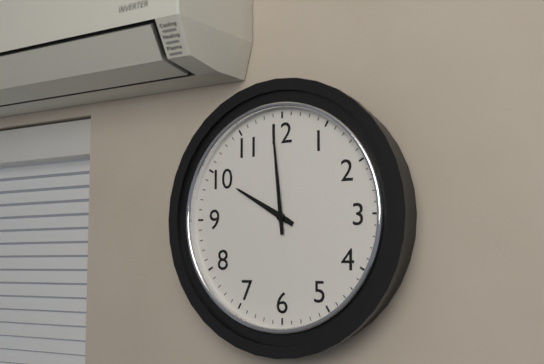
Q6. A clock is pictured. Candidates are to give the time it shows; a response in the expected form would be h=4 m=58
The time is h=9 m=59
